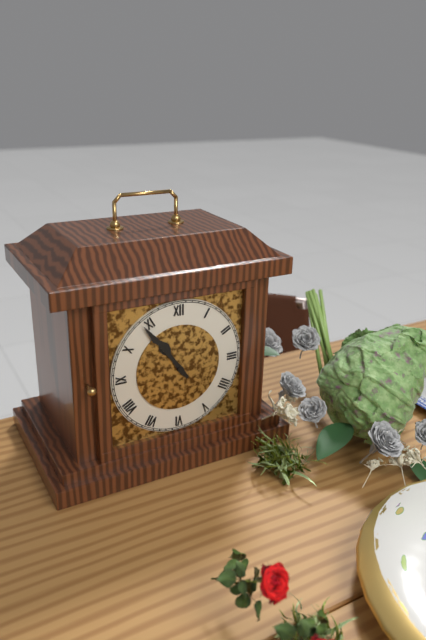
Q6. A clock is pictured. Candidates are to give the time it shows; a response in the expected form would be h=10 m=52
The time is h=10 m=54
